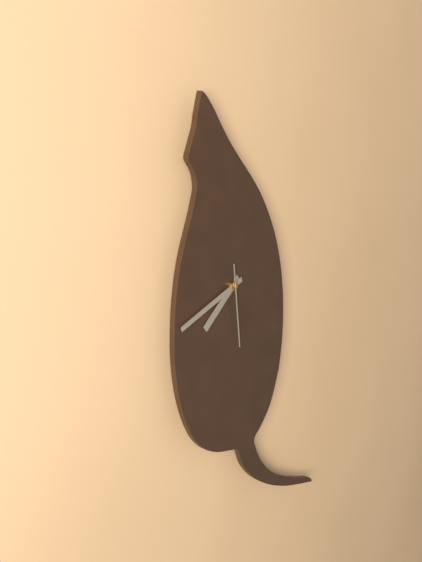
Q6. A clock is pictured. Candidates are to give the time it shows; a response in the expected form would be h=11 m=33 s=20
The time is h=7 m=42 s=29
